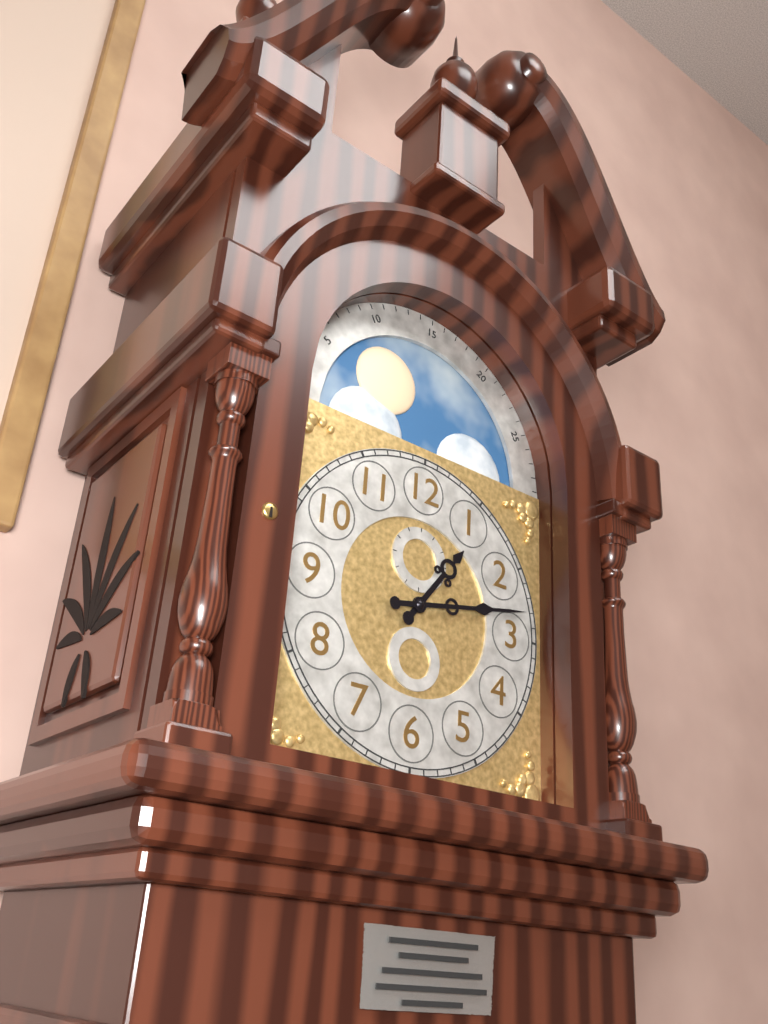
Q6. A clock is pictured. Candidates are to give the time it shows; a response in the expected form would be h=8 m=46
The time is h=1 m=13
